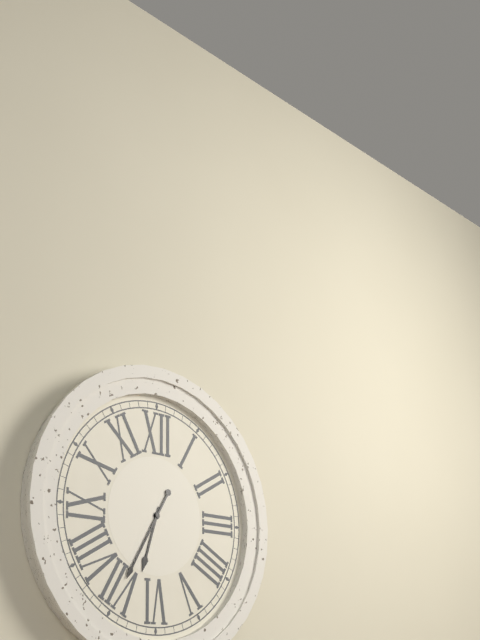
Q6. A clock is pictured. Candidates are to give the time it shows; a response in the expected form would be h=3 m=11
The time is h=6 m=35
